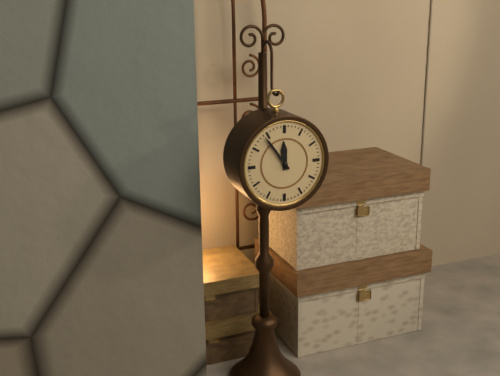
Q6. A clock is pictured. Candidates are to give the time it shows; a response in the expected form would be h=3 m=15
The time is h=11 m=54
